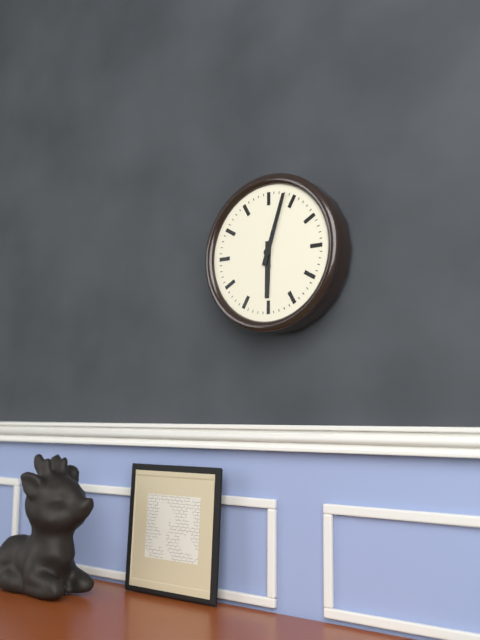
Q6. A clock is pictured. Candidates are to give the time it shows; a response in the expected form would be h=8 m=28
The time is h=6 m=3
